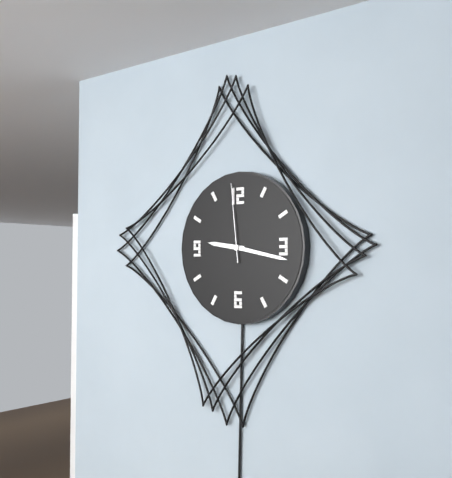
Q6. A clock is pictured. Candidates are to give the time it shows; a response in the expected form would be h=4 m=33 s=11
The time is h=9 m=17 s=59
